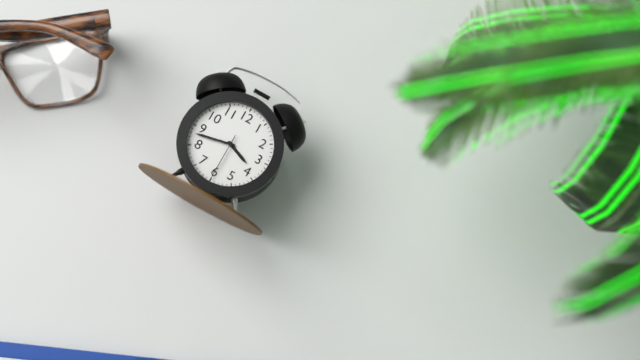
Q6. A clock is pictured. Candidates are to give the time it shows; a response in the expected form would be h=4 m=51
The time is h=3 m=43
